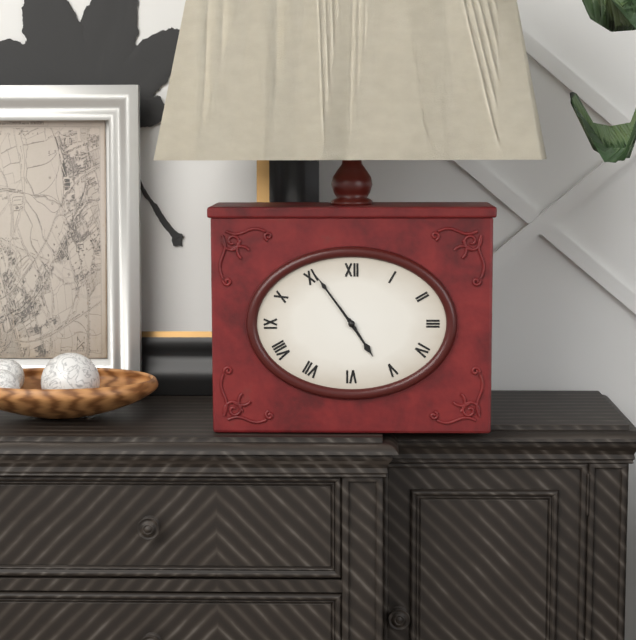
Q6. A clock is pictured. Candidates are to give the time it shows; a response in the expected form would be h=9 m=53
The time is h=4 m=54
